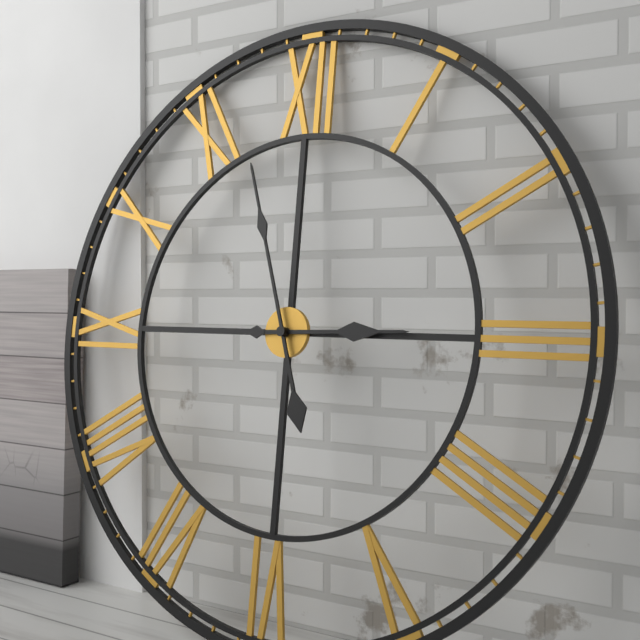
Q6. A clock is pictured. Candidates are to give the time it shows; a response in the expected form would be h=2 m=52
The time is h=2 m=57
